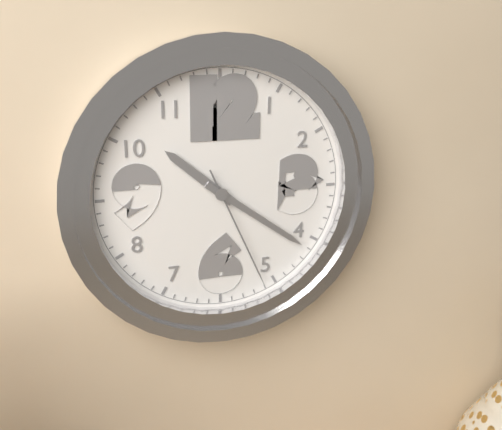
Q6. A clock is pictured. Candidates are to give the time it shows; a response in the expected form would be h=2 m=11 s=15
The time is h=10 m=21 s=26
